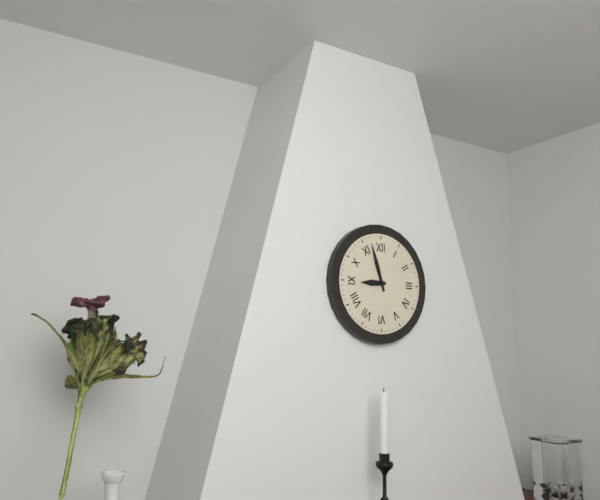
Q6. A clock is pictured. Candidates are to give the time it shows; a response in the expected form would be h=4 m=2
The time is h=8 m=57
